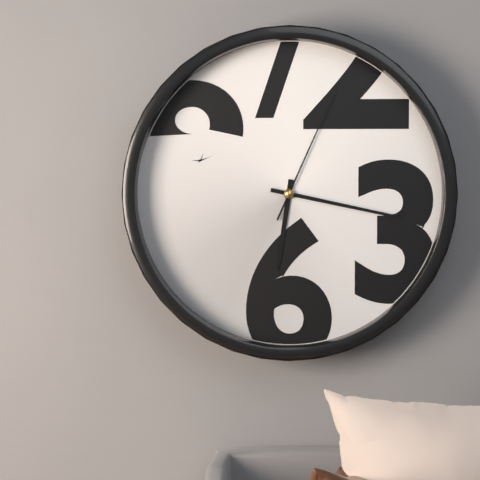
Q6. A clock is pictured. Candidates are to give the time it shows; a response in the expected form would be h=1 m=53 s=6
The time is h=6 m=17 s=4
